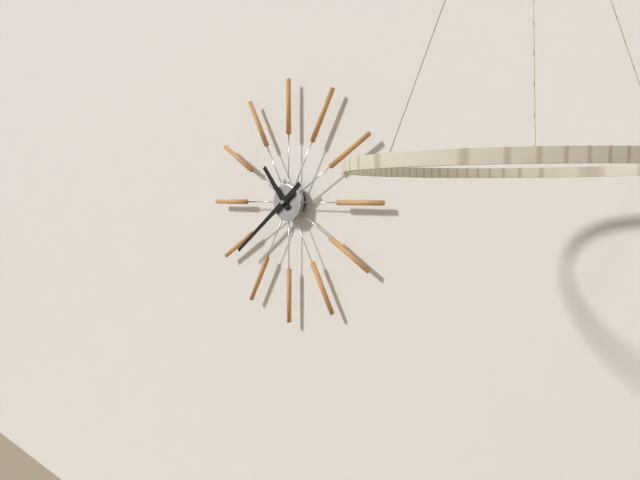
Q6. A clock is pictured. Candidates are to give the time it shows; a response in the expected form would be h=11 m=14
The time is h=10 m=39
